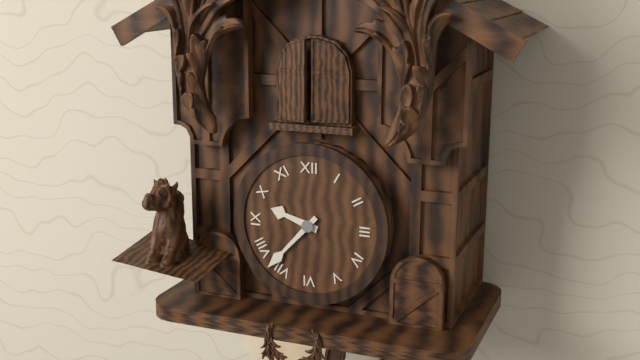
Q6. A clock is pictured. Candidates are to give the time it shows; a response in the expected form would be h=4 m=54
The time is h=9 m=37
